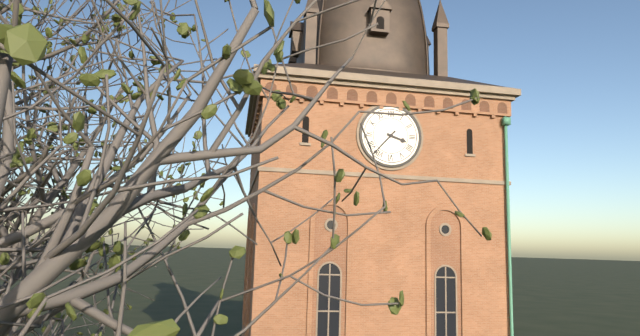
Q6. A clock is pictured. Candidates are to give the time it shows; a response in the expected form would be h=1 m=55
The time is h=3 m=37
